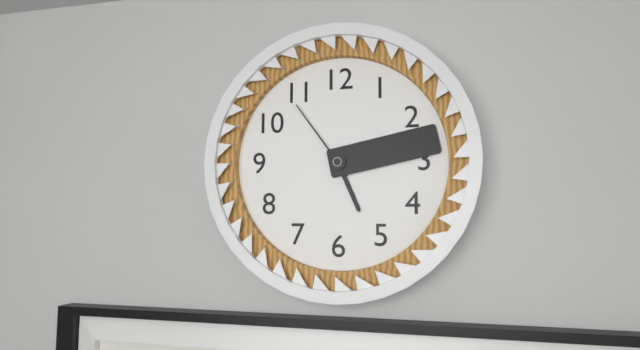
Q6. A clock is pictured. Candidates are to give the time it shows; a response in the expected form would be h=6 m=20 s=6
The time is h=5 m=13 s=54
